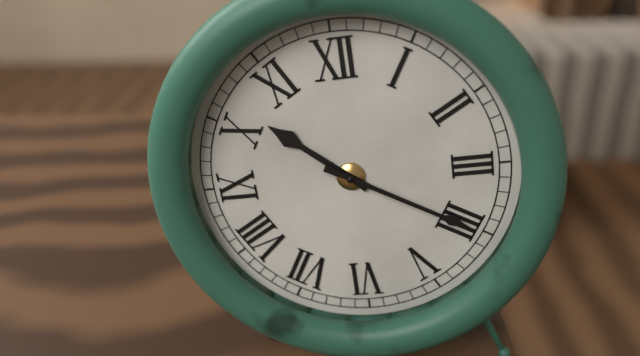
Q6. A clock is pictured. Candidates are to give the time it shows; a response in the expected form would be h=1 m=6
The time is h=10 m=20
